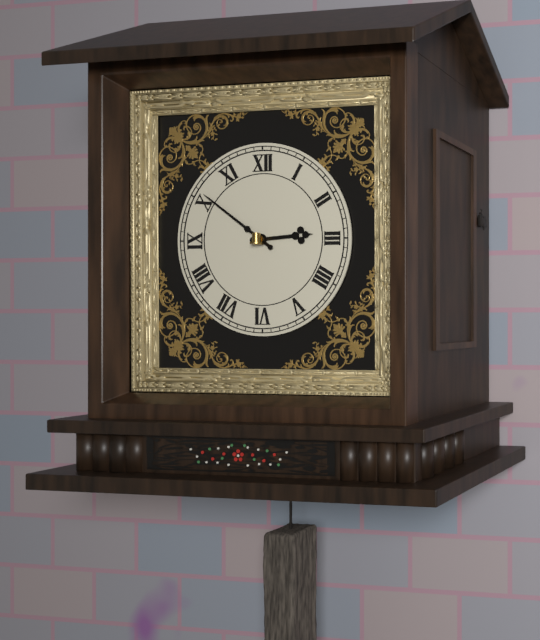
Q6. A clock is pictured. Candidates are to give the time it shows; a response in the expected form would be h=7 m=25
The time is h=2 m=51
